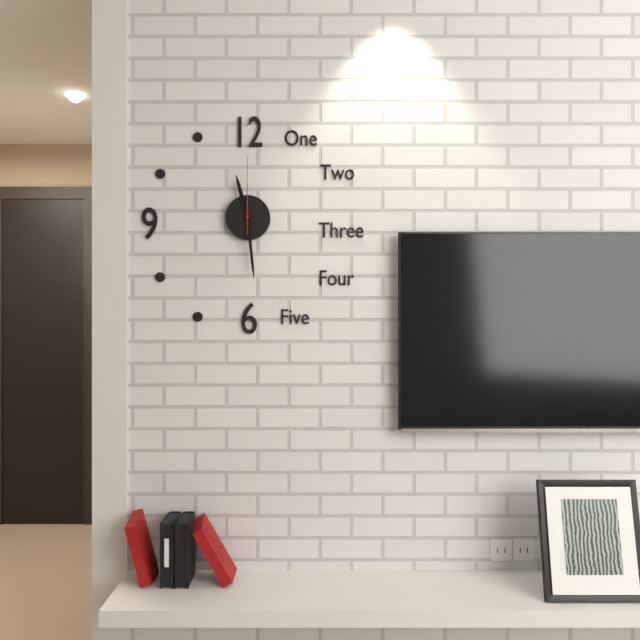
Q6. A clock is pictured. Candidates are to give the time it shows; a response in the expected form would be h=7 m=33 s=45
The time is h=11 m=29 s=0
